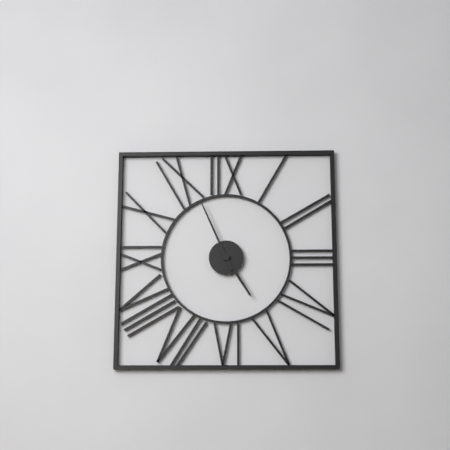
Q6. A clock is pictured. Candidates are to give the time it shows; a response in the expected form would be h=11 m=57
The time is h=4 m=56
